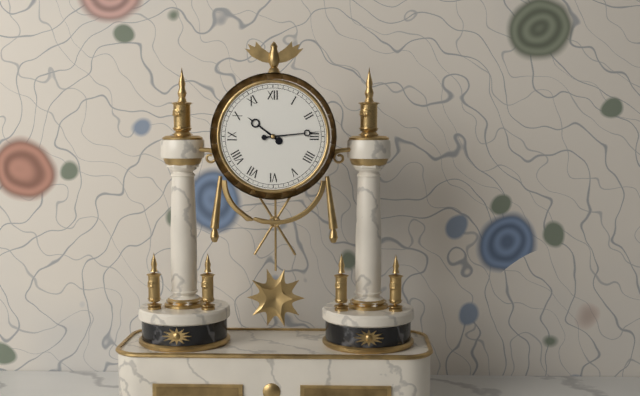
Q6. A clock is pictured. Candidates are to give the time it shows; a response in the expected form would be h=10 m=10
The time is h=10 m=14
